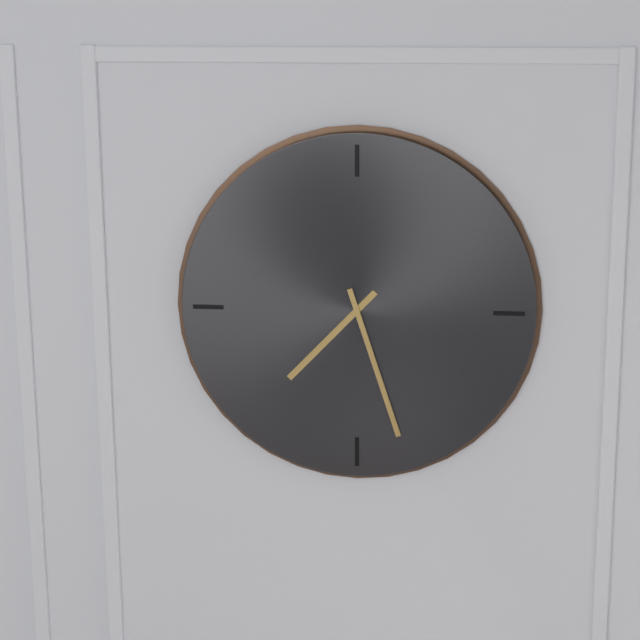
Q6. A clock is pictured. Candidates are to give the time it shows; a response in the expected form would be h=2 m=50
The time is h=7 m=27
